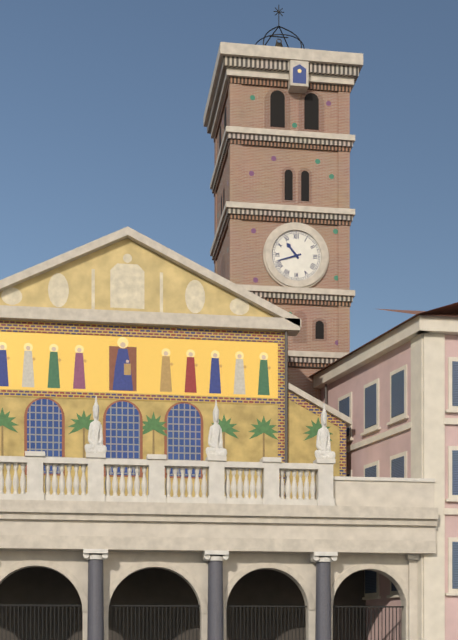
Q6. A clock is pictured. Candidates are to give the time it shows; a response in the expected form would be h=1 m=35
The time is h=10 m=42
